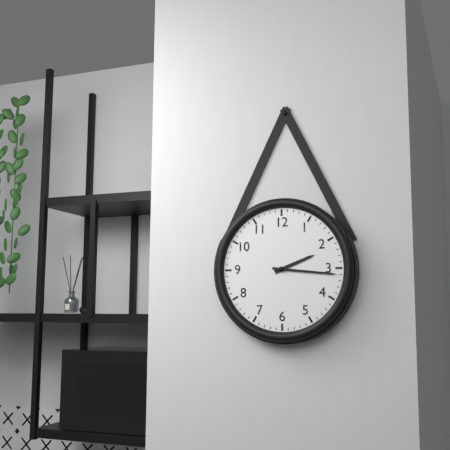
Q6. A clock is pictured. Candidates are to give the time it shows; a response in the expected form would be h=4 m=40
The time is h=2 m=16
